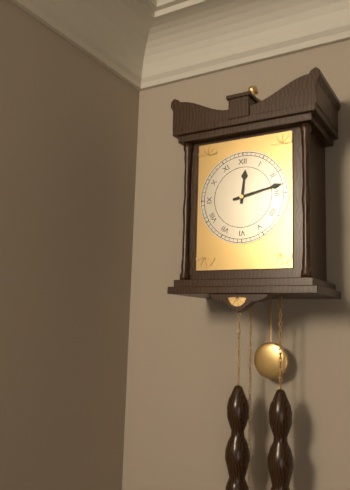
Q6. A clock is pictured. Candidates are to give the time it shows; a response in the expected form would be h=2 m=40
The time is h=12 m=13
